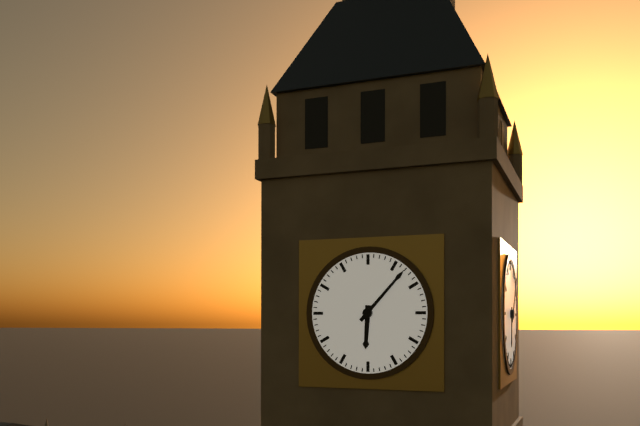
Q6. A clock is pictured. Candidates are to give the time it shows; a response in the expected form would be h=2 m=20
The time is h=6 m=7
